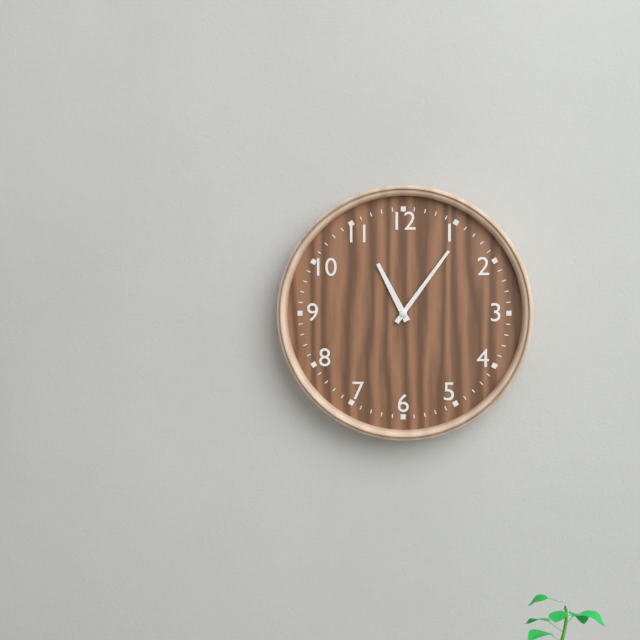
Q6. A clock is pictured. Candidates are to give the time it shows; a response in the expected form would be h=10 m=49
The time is h=11 m=6
